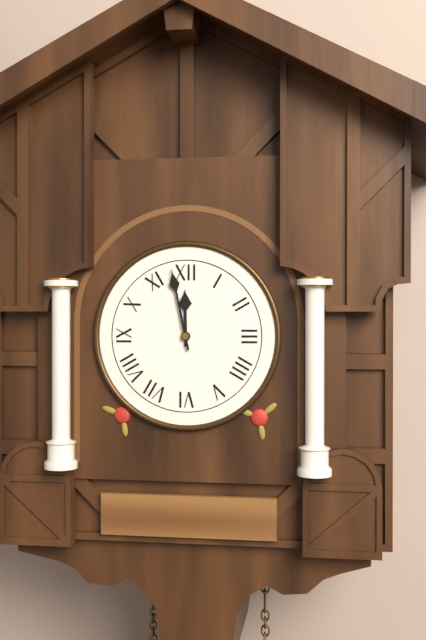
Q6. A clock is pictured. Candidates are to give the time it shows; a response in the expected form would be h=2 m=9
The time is h=11 m=58
